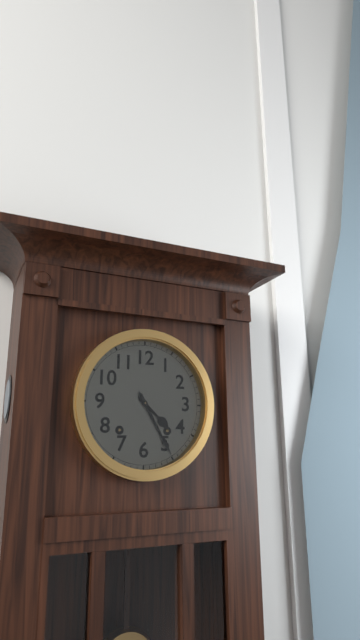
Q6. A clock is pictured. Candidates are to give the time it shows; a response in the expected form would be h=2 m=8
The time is h=4 m=25
